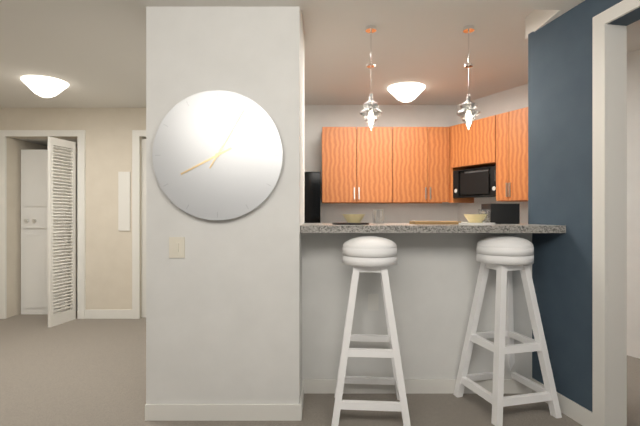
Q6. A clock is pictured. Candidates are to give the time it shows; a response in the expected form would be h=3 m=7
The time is h=8 m=5
